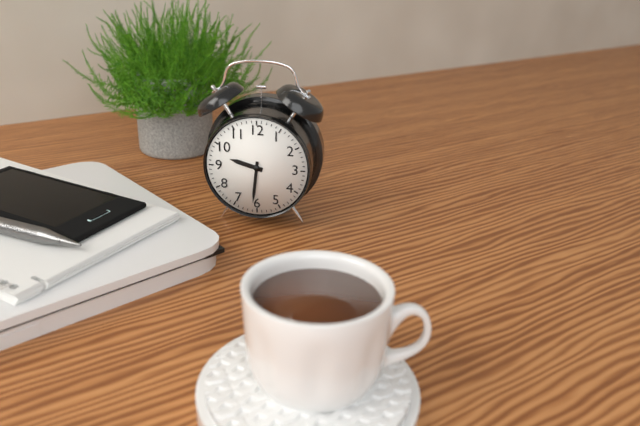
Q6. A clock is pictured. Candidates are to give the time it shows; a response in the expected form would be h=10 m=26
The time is h=9 m=31
